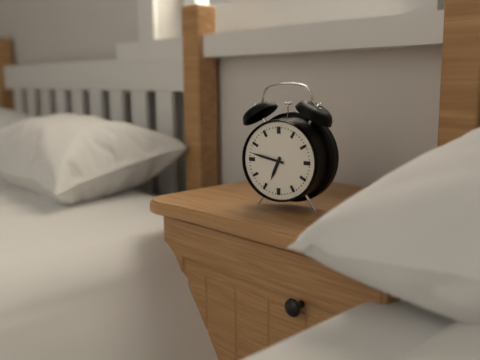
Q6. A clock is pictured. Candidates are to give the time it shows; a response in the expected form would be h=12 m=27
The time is h=6 m=47
